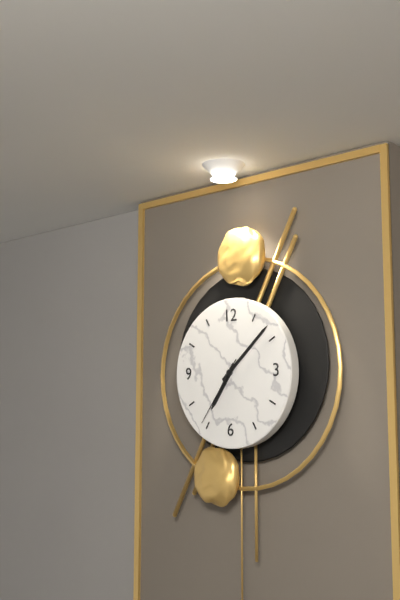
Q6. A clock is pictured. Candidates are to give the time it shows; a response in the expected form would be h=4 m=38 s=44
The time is h=7 m=8 s=36
